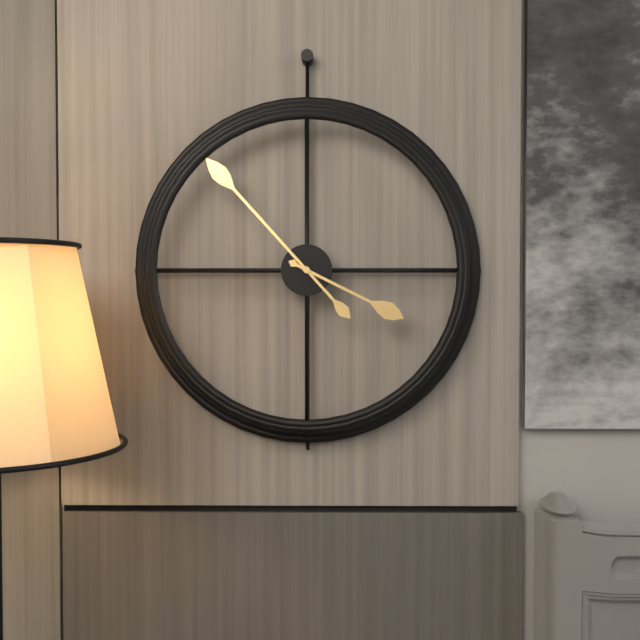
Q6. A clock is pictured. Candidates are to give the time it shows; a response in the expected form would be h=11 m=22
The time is h=3 m=53
